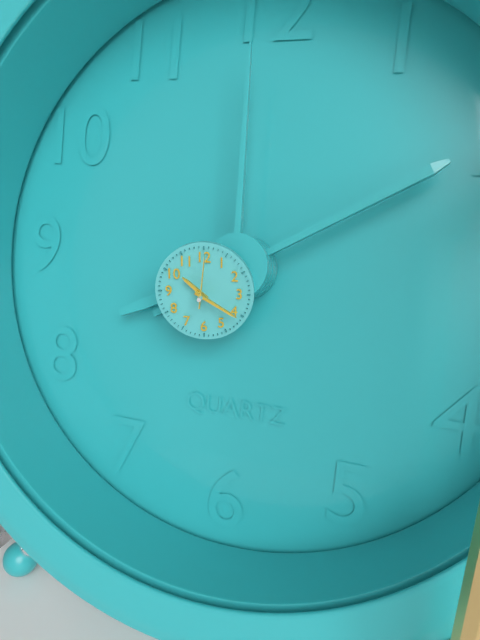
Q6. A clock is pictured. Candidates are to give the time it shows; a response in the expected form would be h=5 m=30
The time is h=10 m=20
